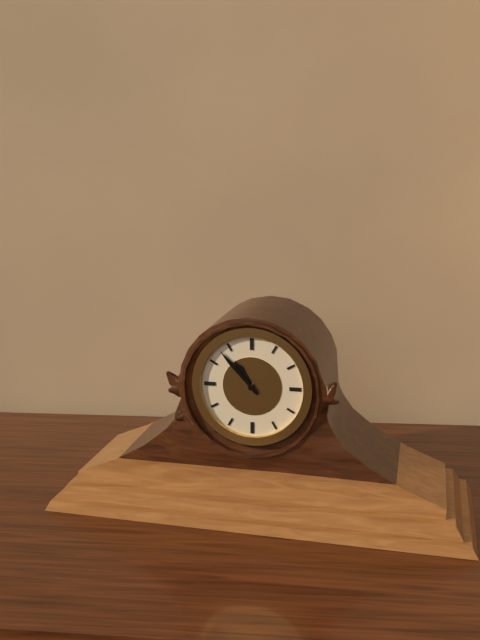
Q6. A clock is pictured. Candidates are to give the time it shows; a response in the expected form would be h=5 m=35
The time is h=10 m=53
